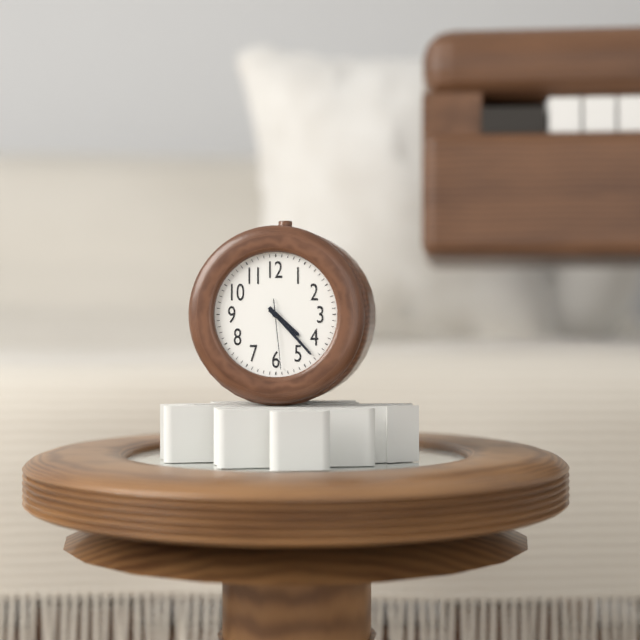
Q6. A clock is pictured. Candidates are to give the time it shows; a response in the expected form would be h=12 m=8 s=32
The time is h=4 m=23 s=29
